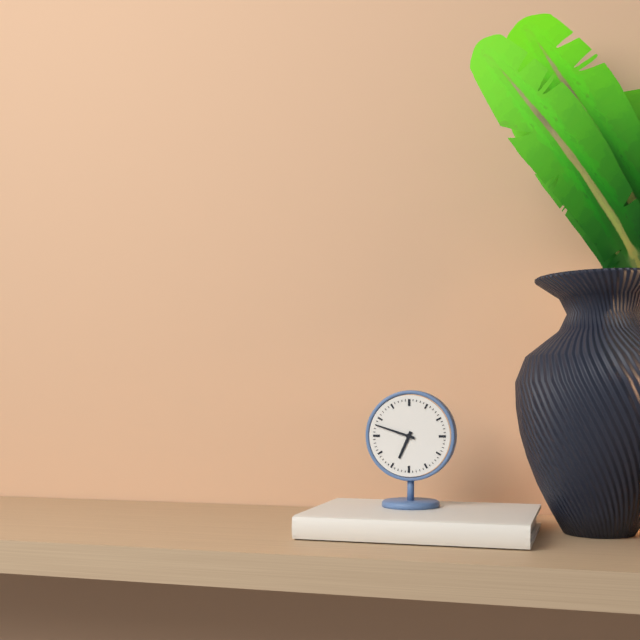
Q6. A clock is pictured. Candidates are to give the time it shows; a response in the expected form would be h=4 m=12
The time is h=6 m=48
